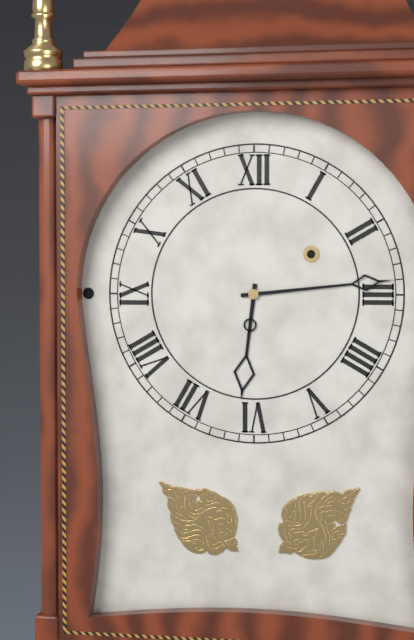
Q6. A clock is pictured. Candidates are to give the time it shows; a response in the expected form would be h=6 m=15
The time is h=6 m=14
